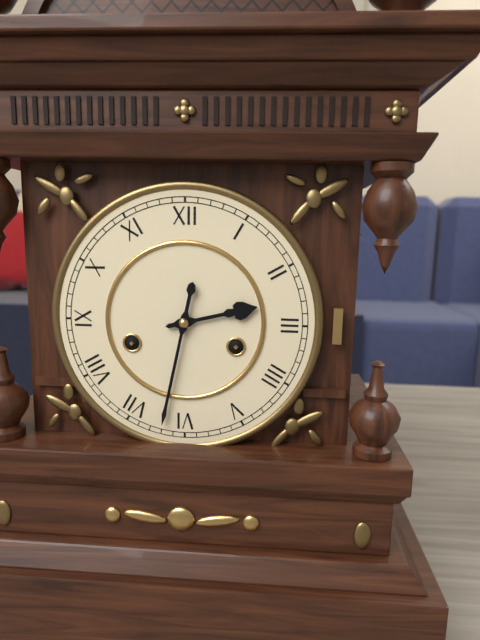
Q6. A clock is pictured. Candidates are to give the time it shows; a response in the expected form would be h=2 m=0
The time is h=2 m=32
